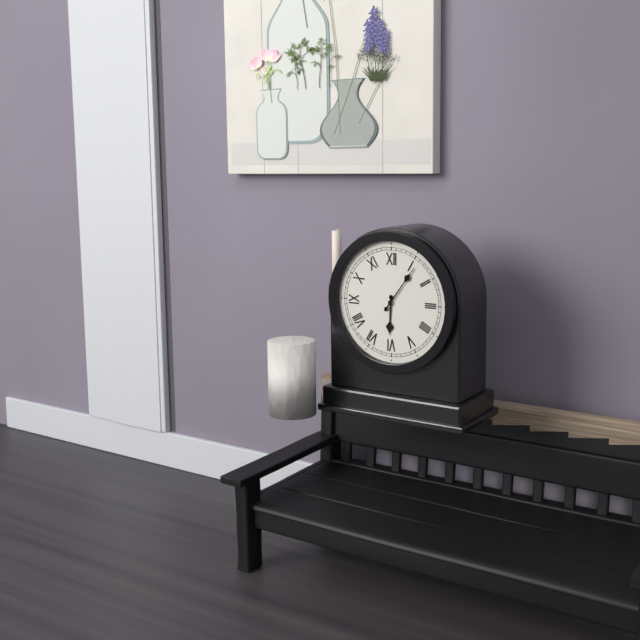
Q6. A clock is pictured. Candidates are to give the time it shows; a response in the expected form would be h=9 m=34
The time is h=6 m=6
